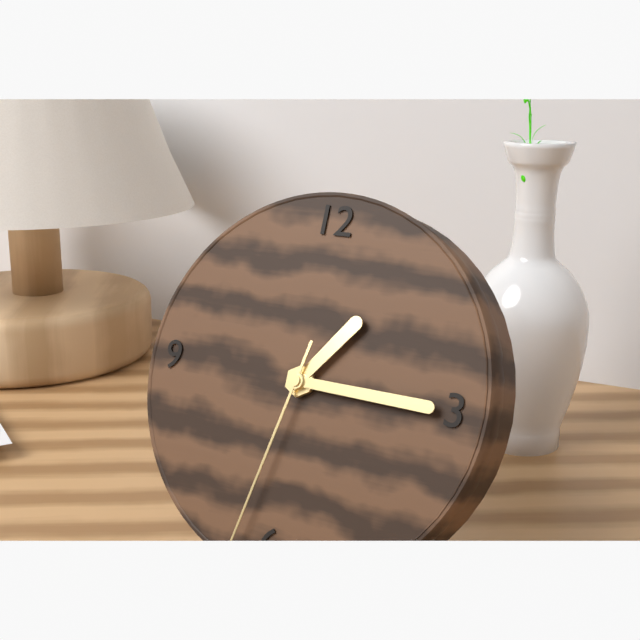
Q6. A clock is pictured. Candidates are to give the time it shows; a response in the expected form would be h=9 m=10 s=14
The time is h=1 m=15 s=32
